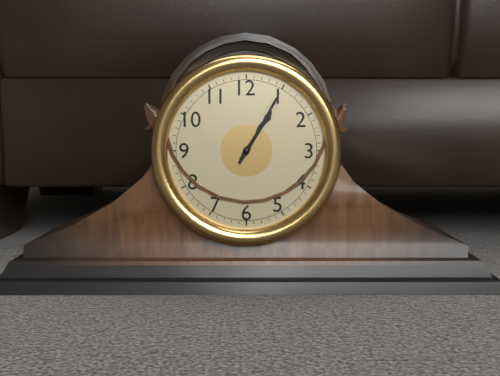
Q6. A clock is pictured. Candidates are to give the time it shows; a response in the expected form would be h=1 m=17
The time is h=1 m=5
